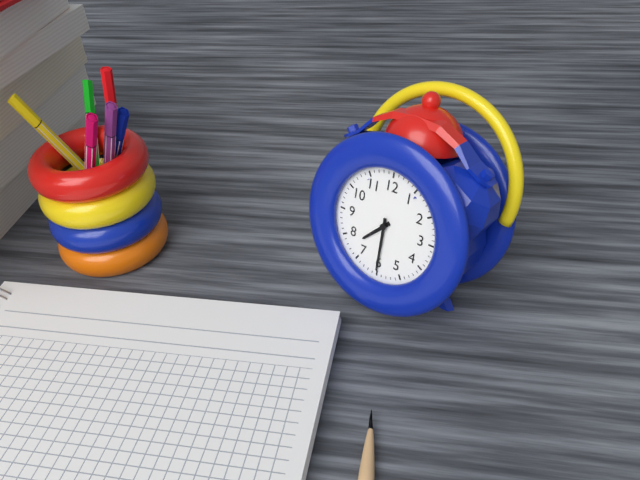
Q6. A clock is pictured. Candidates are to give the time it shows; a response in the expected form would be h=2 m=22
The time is h=7 m=30
